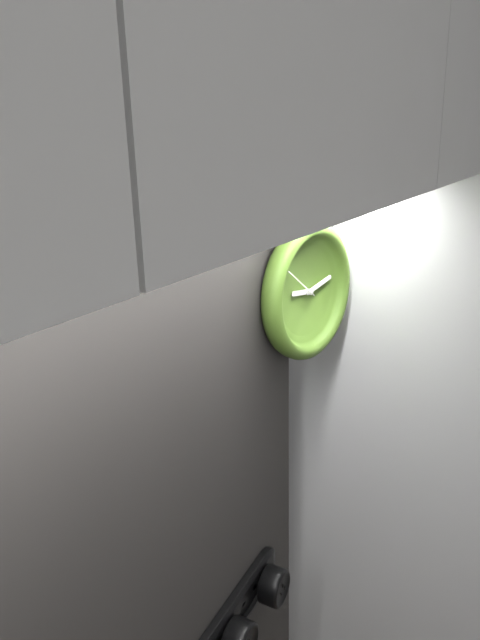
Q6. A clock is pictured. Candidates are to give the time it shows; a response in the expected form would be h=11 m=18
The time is h=9 m=13
